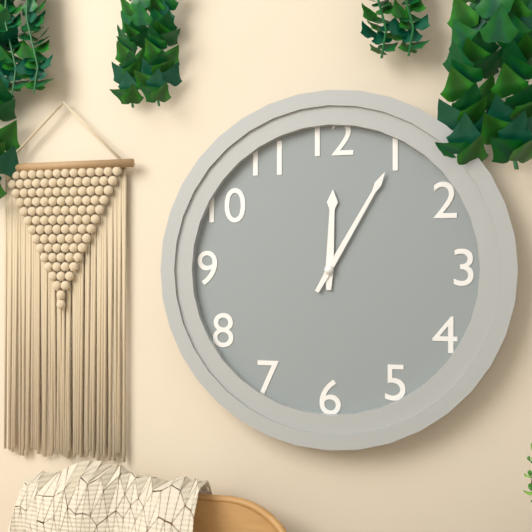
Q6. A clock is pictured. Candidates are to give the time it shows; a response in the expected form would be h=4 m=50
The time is h=12 m=5
